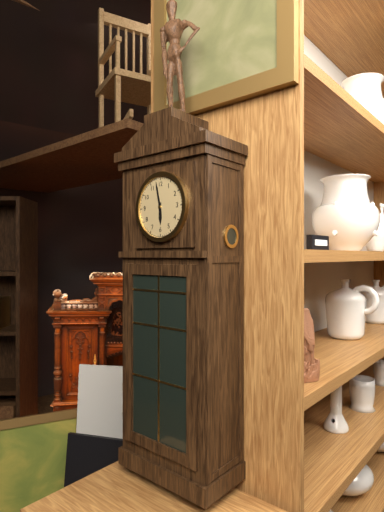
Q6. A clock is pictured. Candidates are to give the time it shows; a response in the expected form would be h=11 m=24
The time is h=5 m=58
